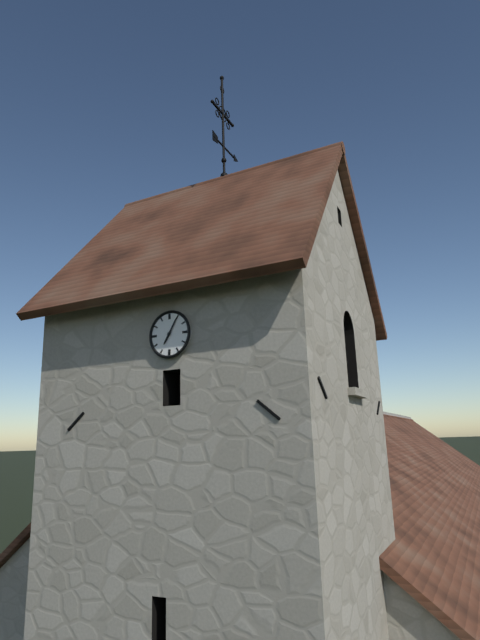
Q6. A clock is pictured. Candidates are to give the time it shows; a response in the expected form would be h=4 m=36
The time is h=7 m=5
